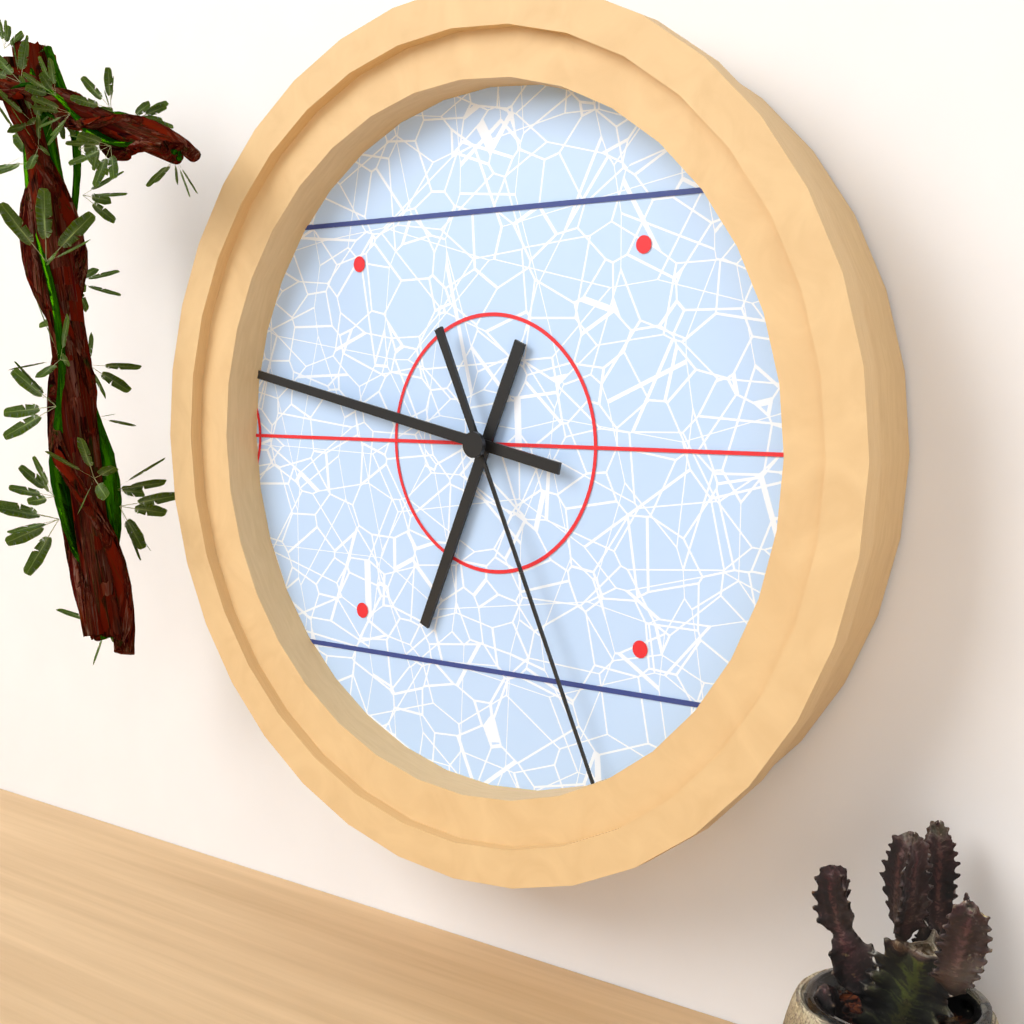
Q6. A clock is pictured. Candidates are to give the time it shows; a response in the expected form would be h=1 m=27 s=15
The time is h=6 m=47 s=26
